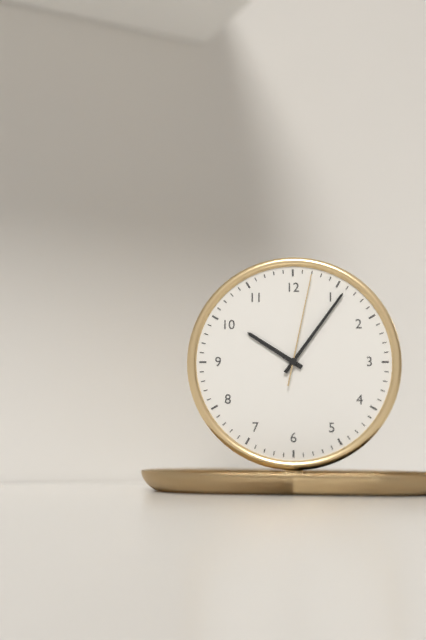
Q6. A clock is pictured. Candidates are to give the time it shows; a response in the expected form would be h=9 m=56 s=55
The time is h=10 m=6 s=2
